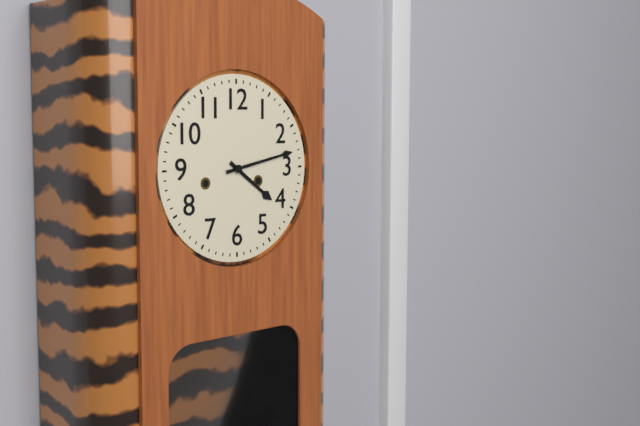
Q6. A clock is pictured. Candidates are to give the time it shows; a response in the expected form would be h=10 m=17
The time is h=4 m=13
